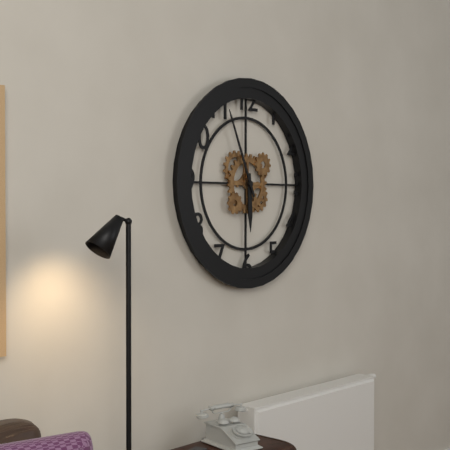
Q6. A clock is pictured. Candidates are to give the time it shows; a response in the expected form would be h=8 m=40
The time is h=5 m=56
